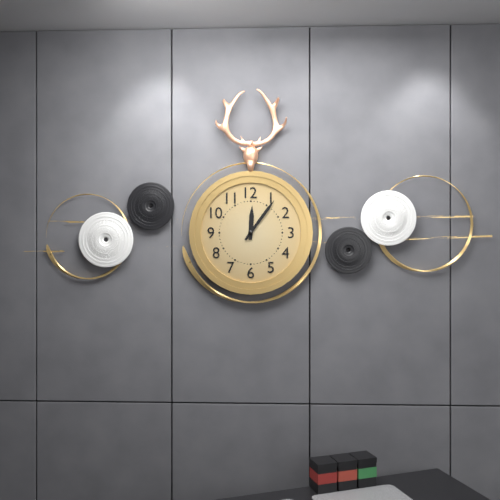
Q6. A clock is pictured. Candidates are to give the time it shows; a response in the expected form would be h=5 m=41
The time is h=12 m=6
